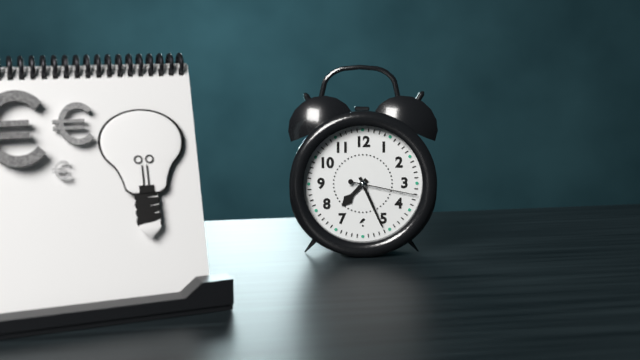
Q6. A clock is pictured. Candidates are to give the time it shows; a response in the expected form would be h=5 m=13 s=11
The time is h=7 m=26 s=17
